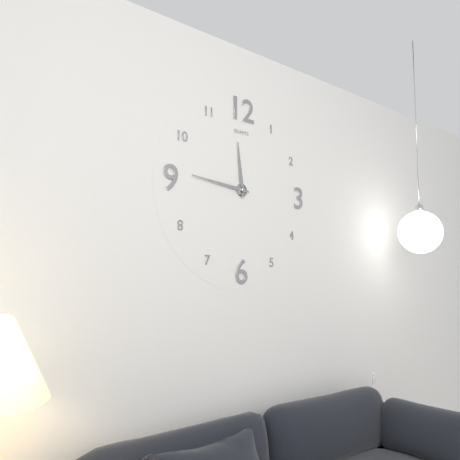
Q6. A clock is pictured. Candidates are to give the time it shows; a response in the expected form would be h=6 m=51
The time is h=11 m=46
